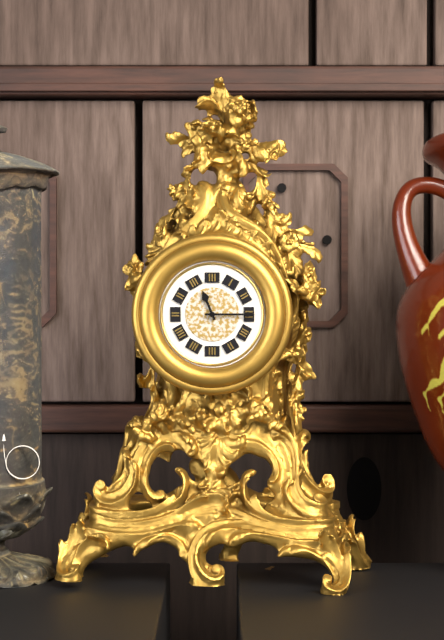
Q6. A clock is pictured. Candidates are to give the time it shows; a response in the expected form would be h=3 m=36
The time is h=11 m=15
